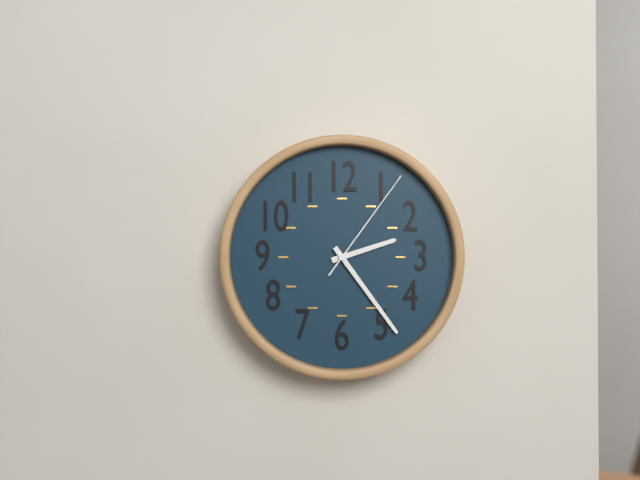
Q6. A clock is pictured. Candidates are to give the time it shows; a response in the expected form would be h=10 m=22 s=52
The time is h=2 m=24 s=6
